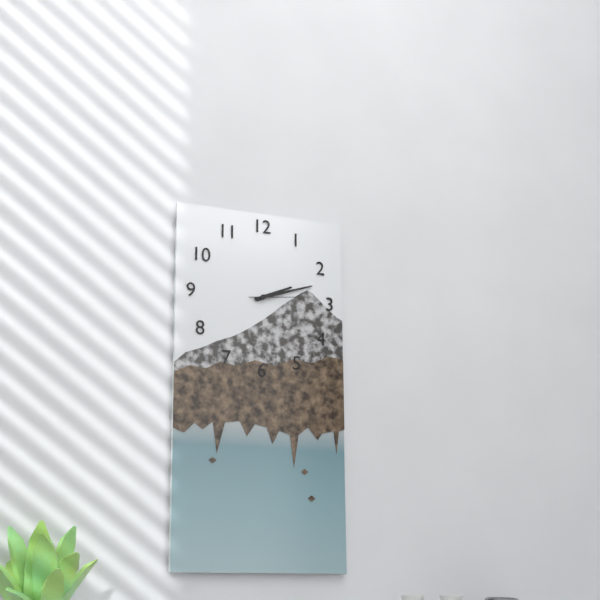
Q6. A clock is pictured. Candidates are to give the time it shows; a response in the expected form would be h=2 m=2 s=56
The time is h=2 m=12 s=14
